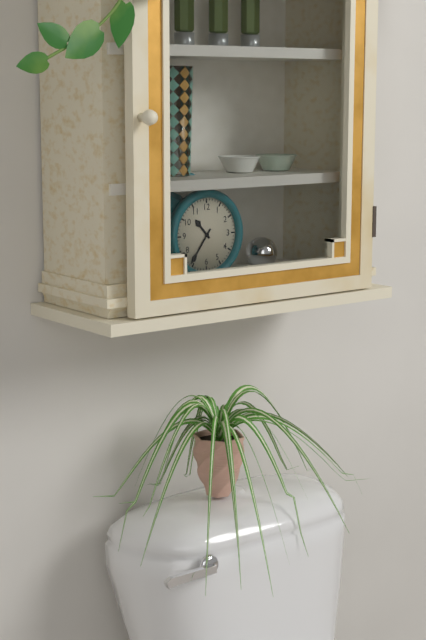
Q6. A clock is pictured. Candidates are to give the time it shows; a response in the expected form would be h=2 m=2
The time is h=10 m=36
